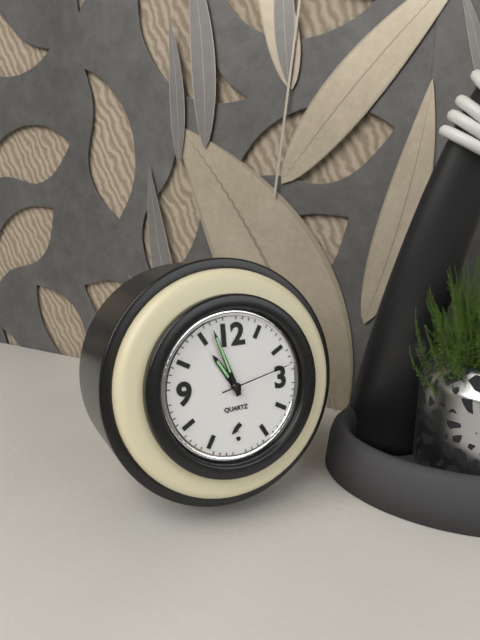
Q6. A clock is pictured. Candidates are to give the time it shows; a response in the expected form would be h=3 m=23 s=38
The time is h=10 m=57 s=13
